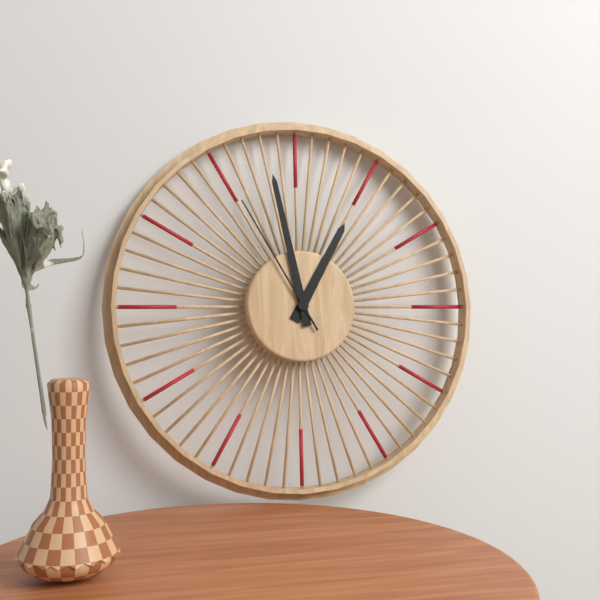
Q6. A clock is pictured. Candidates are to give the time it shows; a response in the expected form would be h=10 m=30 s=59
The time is h=12 m=58 s=55
